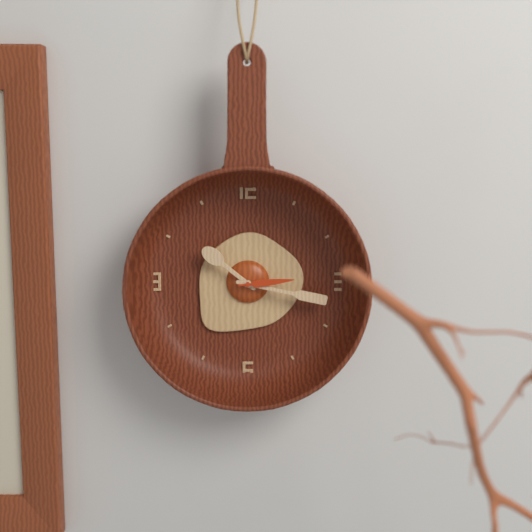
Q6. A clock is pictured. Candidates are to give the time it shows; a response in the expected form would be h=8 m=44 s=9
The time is h=10 m=17 s=14
